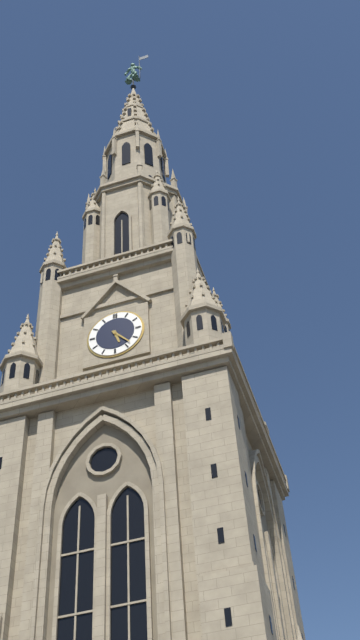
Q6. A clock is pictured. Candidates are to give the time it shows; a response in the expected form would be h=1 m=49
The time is h=5 m=23
